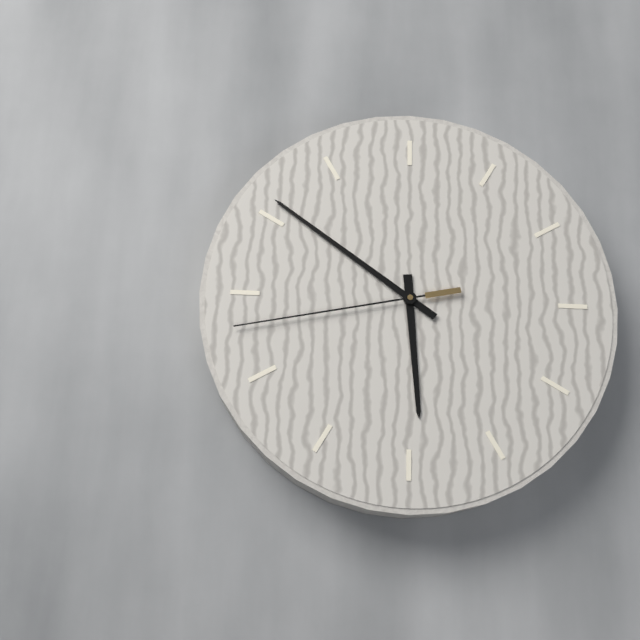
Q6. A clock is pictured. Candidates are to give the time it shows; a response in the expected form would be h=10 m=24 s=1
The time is h=5 m=51 s=43
